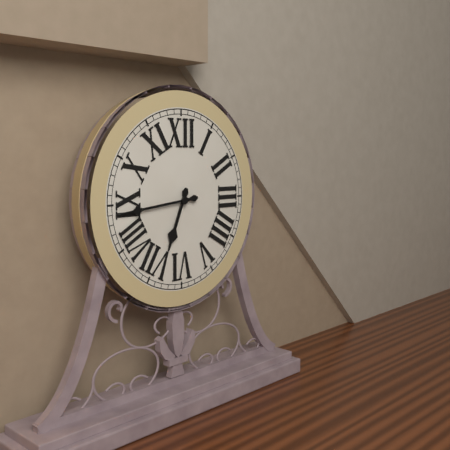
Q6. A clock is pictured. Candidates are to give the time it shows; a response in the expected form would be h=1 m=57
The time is h=6 m=44
